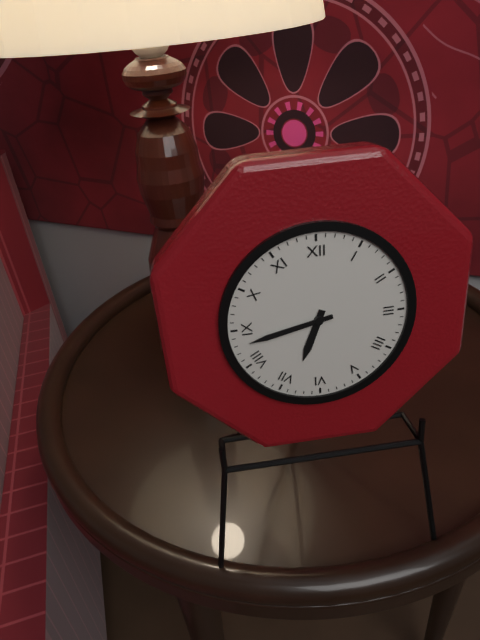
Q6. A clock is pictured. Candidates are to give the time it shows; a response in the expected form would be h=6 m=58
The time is h=6 m=43
